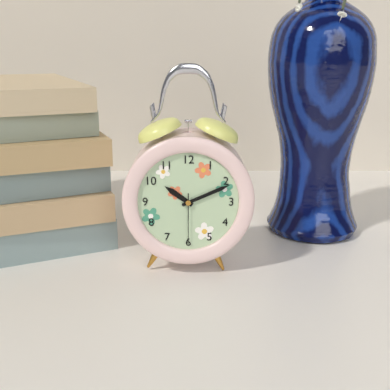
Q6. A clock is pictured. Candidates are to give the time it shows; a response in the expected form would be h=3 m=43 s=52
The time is h=10 m=11 s=30
